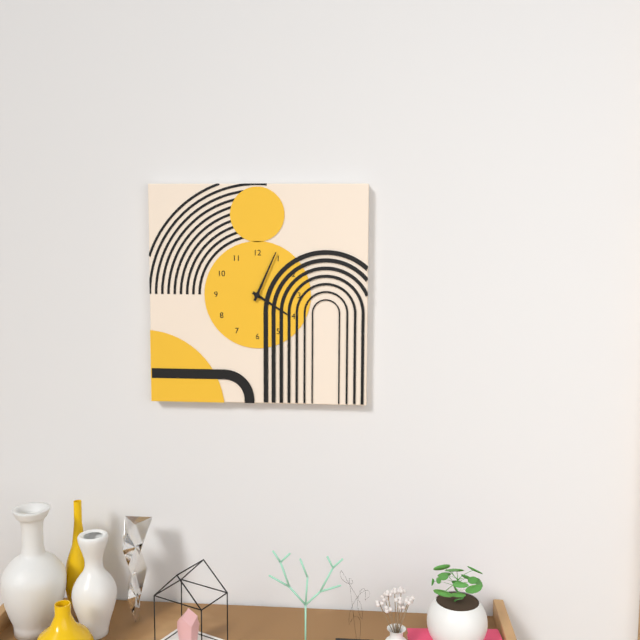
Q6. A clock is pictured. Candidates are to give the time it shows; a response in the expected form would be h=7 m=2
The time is h=4 m=4
